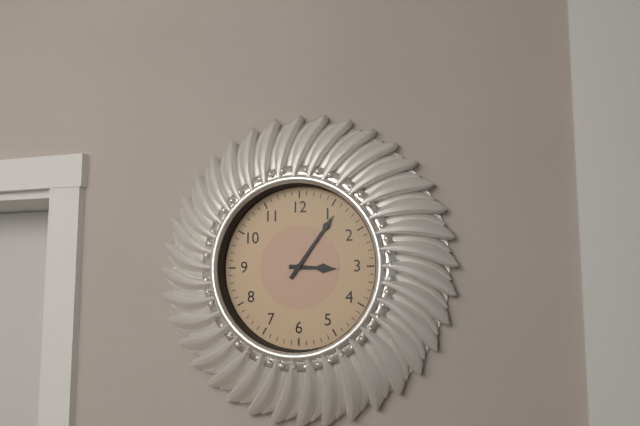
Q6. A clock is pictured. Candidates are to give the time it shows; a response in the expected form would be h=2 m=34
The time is h=3 m=6
